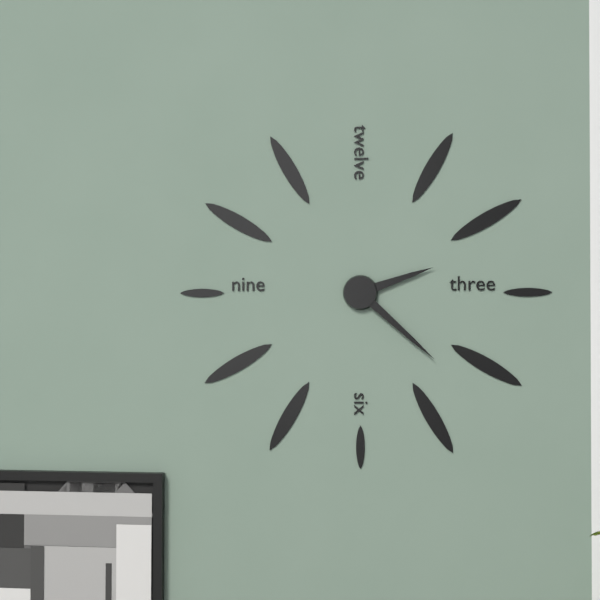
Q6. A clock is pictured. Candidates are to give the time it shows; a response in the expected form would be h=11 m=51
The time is h=2 m=22
